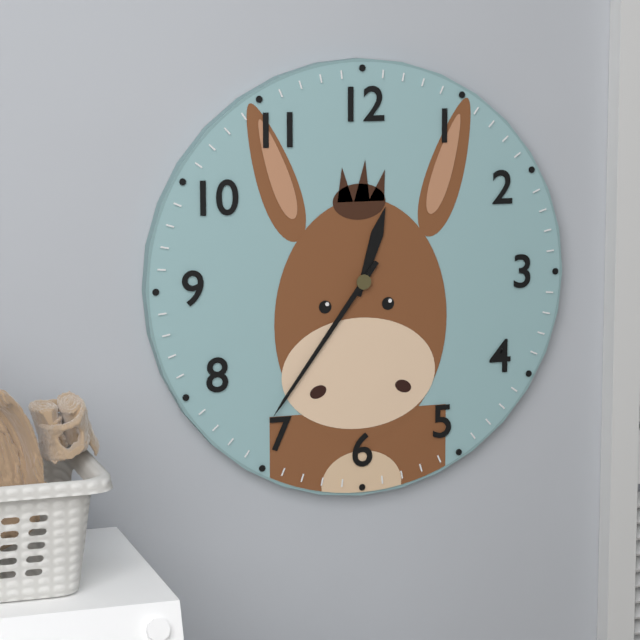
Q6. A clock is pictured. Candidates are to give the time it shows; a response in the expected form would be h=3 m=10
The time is h=12 m=36
